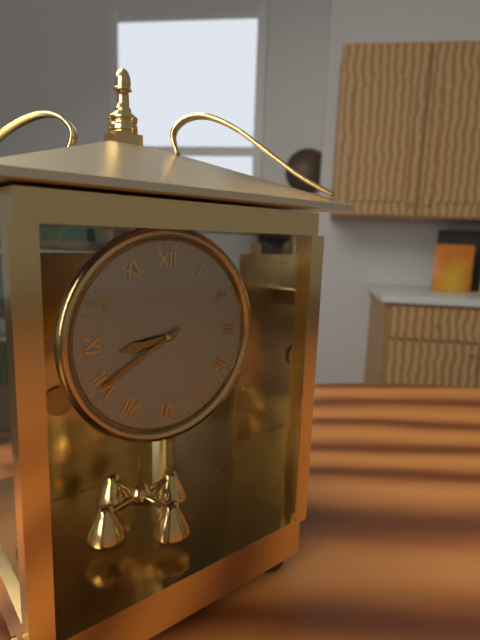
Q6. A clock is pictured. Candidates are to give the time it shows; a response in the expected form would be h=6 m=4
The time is h=8 m=40
